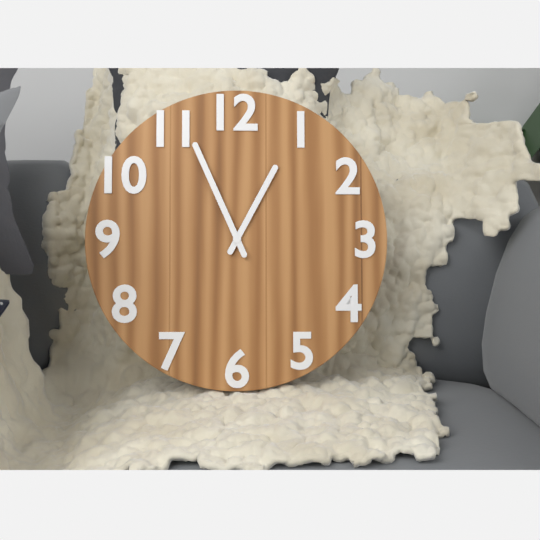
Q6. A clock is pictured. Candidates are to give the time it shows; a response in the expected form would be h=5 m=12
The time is h=12 m=56
